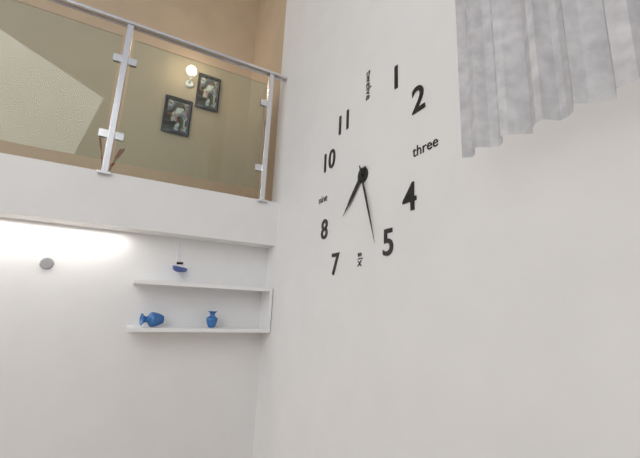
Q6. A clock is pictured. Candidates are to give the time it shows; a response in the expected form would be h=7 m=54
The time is h=7 m=27
